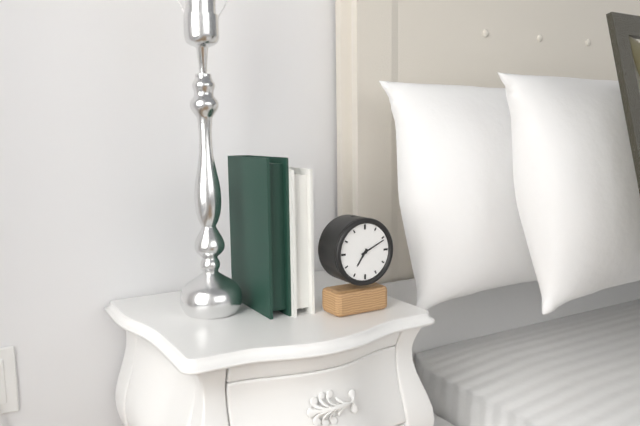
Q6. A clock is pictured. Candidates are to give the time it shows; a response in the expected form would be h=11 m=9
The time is h=7 m=11
